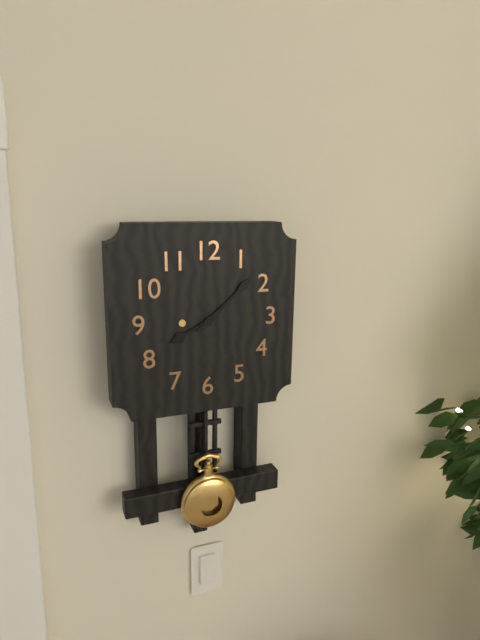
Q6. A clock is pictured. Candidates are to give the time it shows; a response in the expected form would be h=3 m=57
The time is h=8 m=8
